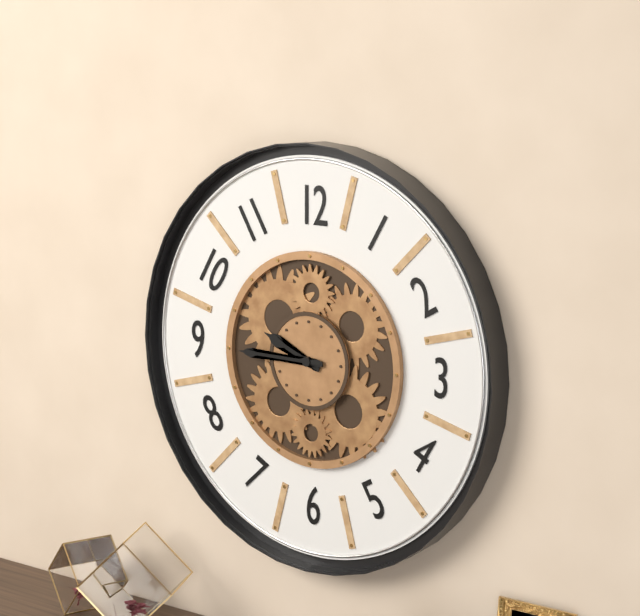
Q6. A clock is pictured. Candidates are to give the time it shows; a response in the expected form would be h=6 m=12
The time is h=9 m=45
